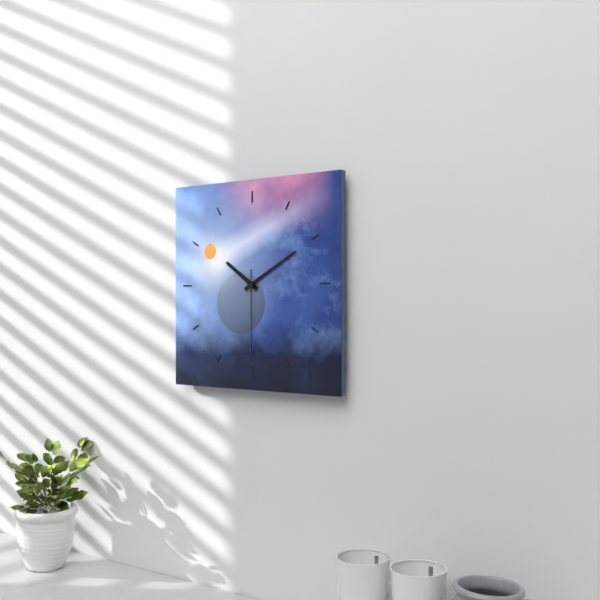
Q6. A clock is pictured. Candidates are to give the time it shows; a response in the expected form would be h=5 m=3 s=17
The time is h=10 m=10 s=30
